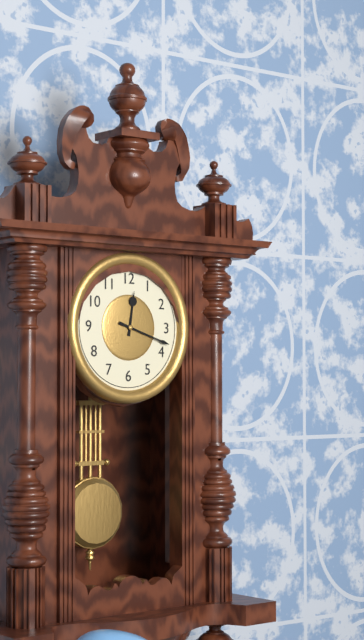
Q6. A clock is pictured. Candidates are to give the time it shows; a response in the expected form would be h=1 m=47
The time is h=12 m=18
